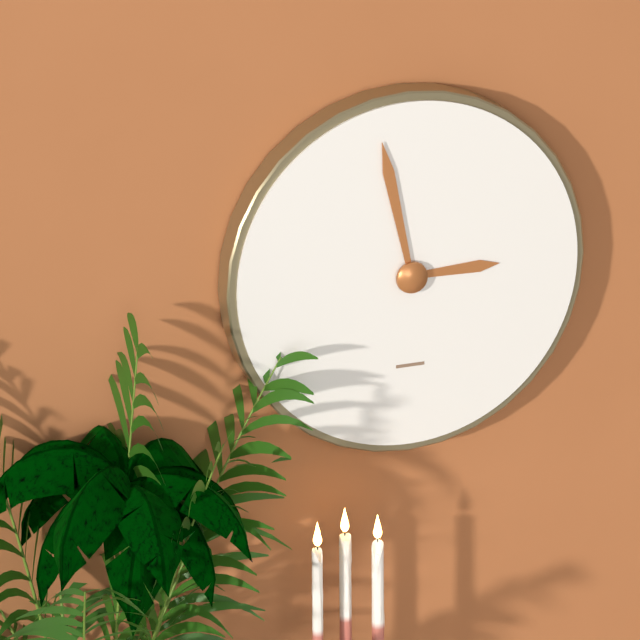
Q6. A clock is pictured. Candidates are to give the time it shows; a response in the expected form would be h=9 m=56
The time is h=2 m=58
